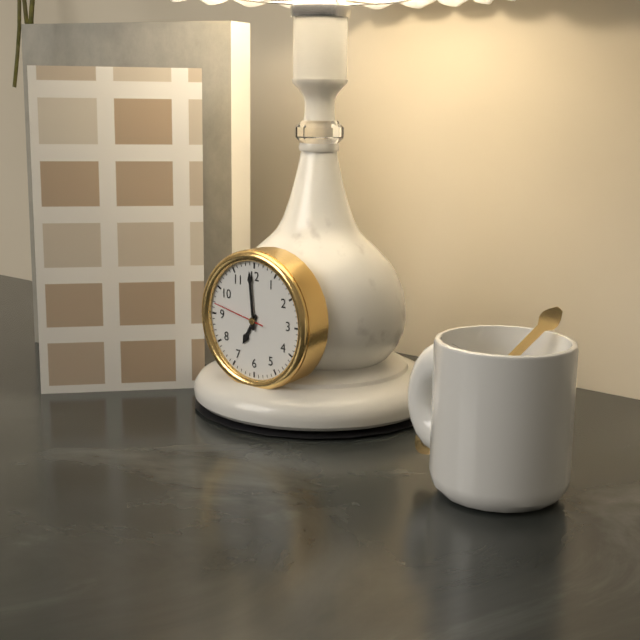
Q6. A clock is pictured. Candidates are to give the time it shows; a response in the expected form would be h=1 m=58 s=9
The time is h=6 m=59 s=47
